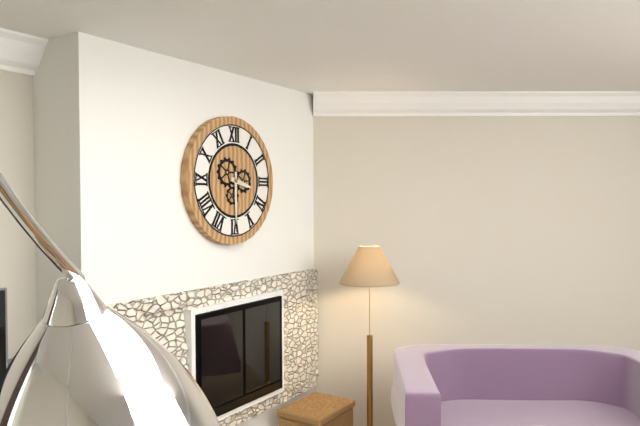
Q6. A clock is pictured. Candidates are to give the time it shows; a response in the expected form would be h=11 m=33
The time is h=3 m=30
